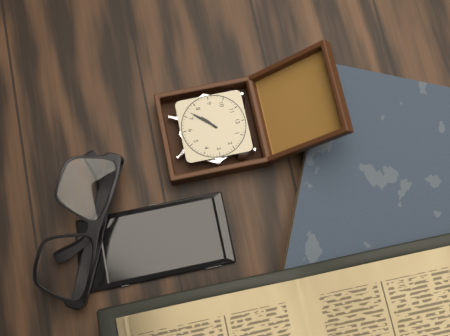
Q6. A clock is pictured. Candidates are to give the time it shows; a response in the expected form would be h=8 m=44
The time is h=7 m=37
